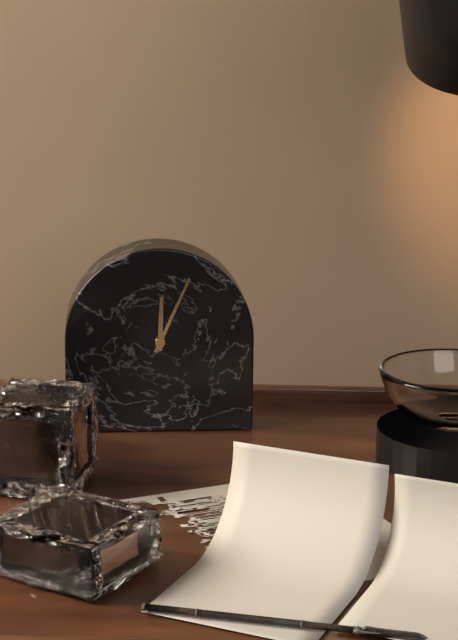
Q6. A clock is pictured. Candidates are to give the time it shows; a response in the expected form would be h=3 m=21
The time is h=12 m=4
